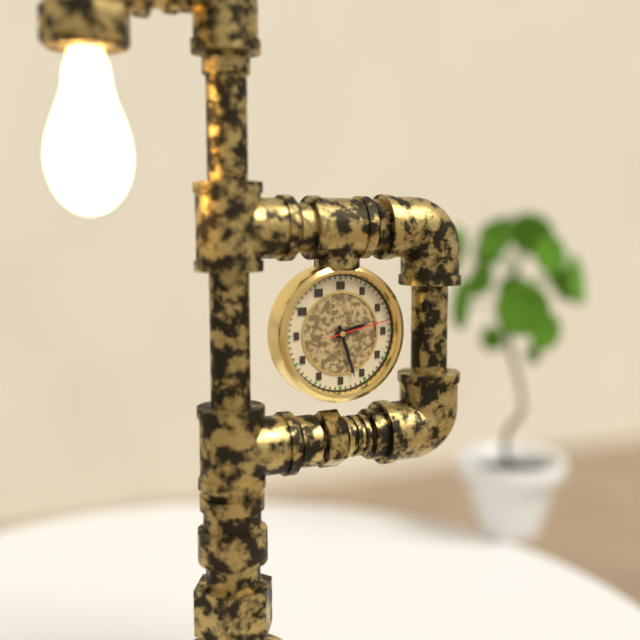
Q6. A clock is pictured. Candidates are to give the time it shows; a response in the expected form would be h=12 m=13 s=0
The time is h=2 m=27 s=13
